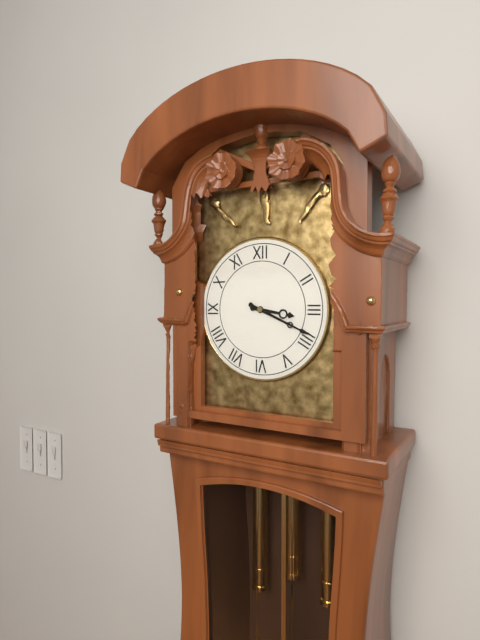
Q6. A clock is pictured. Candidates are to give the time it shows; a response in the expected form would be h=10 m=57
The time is h=3 m=19
